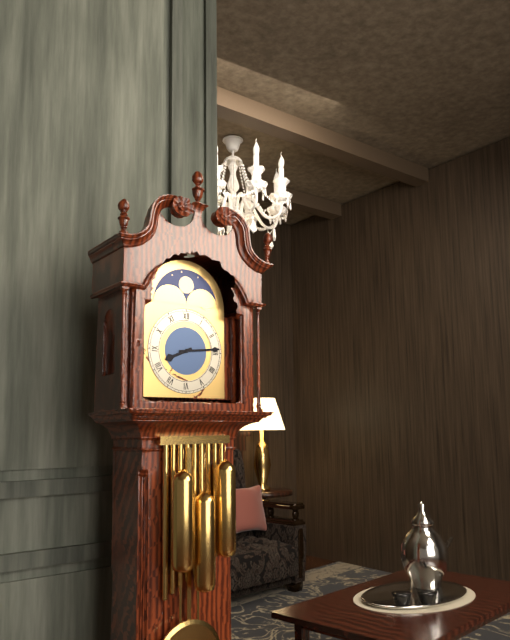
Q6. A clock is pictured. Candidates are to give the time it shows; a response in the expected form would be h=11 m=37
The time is h=8 m=14
